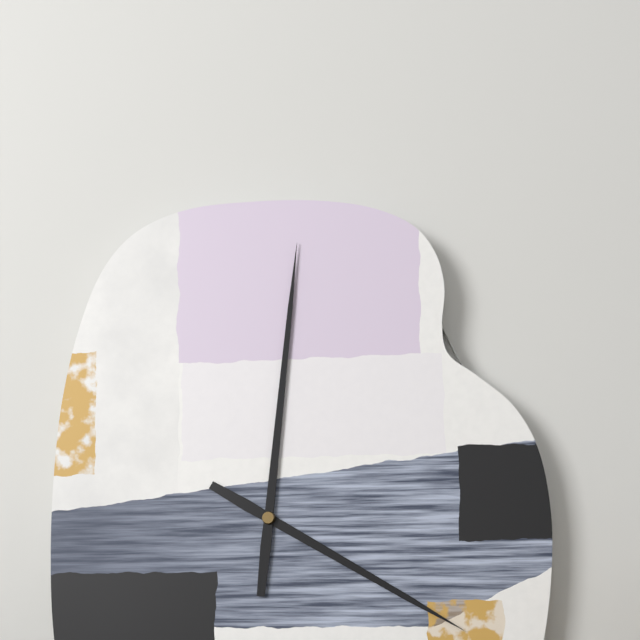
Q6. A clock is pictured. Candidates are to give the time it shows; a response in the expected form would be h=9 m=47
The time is h=4 m=1
